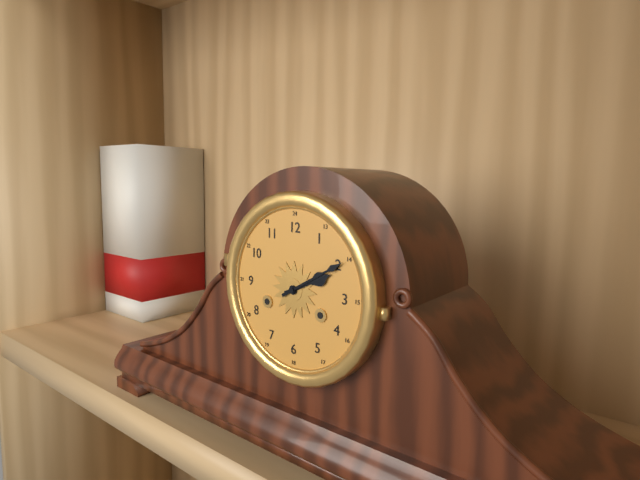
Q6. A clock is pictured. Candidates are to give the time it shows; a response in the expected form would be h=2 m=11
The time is h=2 m=10
